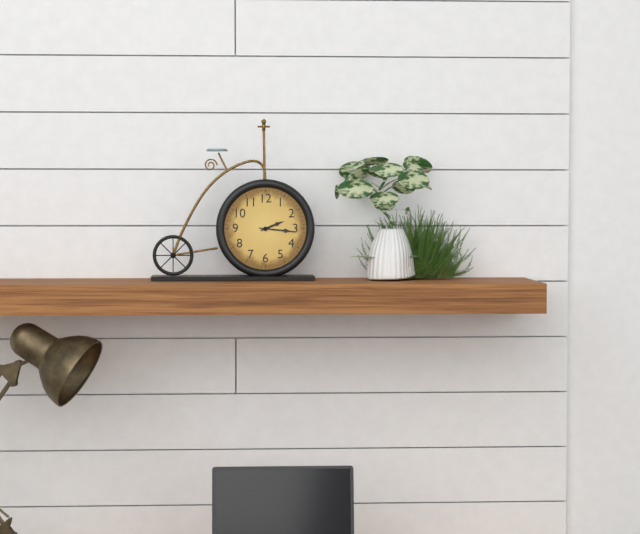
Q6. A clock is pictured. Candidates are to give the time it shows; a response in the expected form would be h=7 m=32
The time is h=2 m=16
